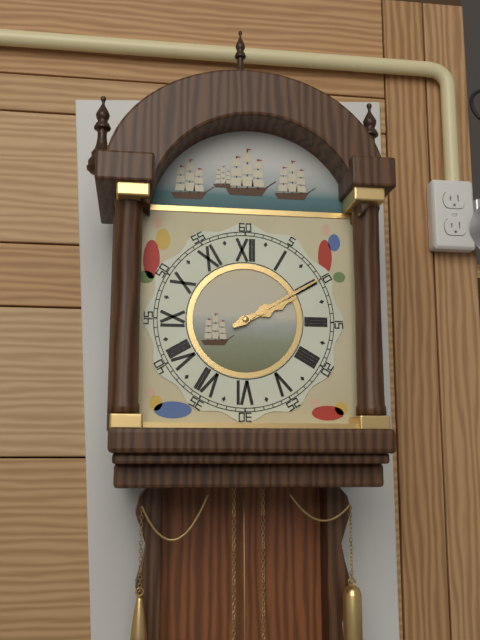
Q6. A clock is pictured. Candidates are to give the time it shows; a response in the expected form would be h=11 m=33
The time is h=2 m=10
